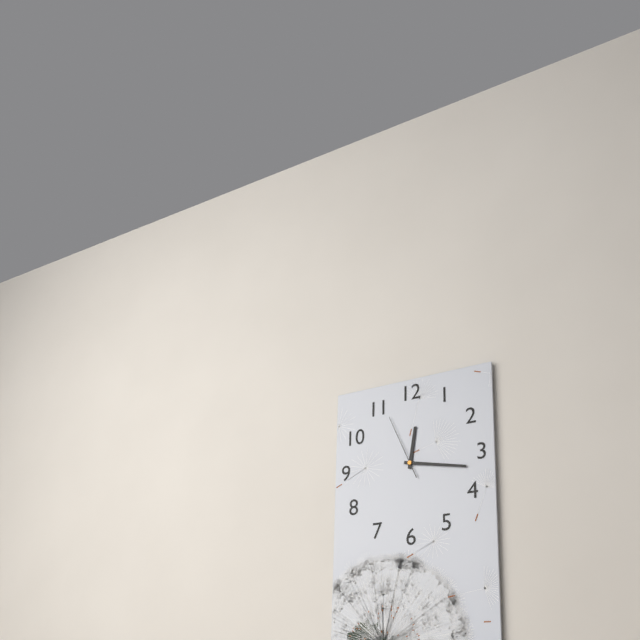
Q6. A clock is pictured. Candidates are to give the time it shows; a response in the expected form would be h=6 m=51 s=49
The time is h=12 m=17 s=56
